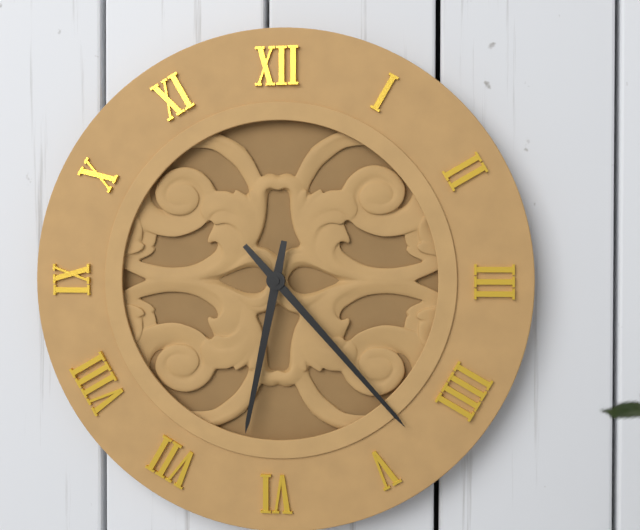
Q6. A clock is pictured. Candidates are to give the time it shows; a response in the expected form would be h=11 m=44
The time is h=6 m=23
